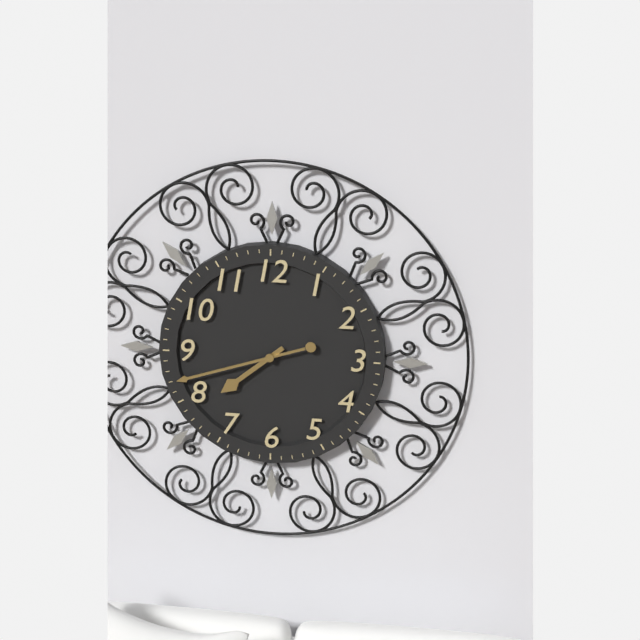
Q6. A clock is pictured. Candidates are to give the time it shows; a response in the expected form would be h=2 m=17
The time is h=7 m=42
